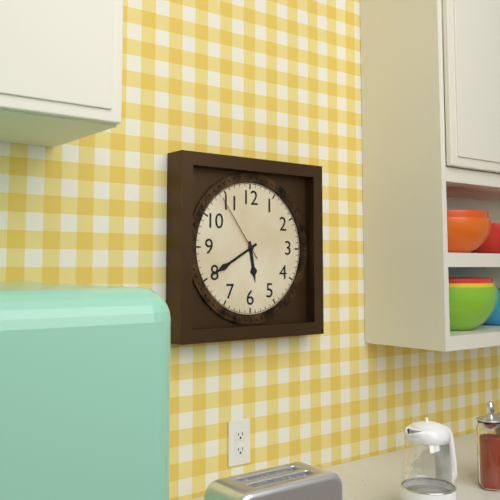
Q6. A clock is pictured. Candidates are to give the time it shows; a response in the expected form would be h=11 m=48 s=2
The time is h=5 m=40 s=54
